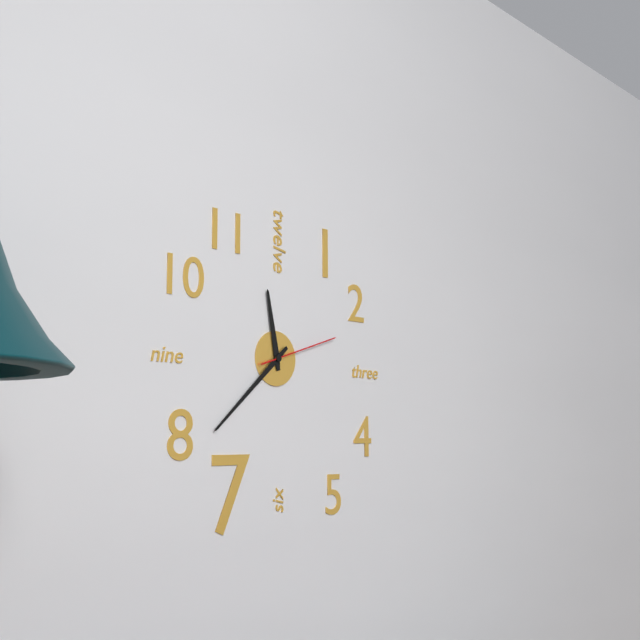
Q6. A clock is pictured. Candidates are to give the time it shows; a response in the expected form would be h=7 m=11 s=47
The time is h=11 m=38 s=12
